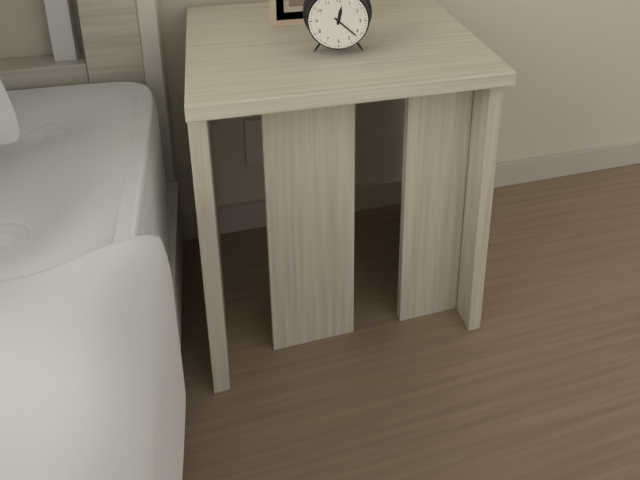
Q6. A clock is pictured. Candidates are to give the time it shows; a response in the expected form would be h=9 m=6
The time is h=12 m=22
